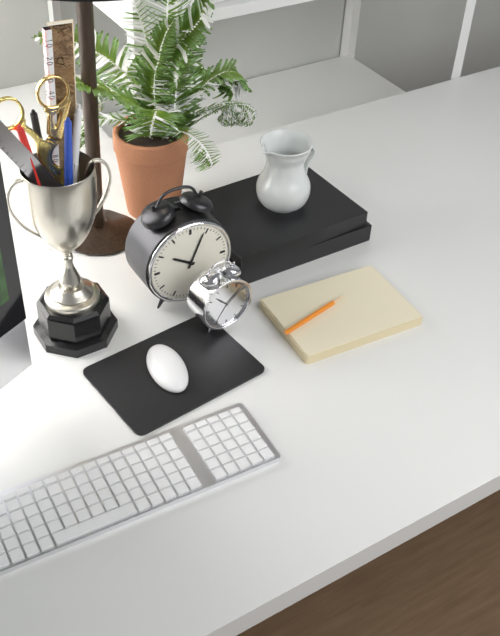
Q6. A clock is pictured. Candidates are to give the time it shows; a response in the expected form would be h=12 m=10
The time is h=10 m=4
